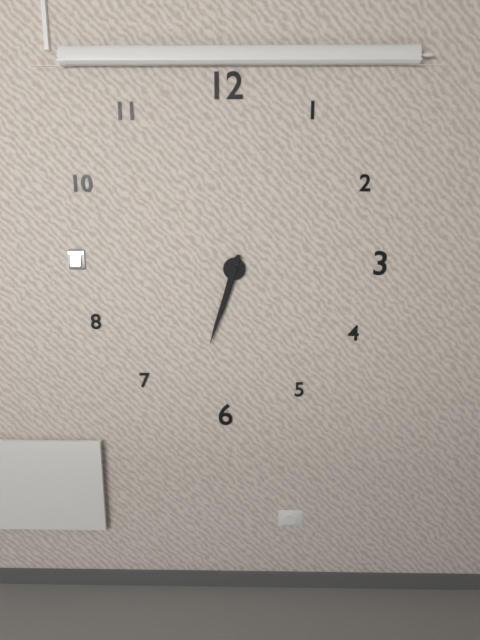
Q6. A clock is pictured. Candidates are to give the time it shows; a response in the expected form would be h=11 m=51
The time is h=6 m=33
